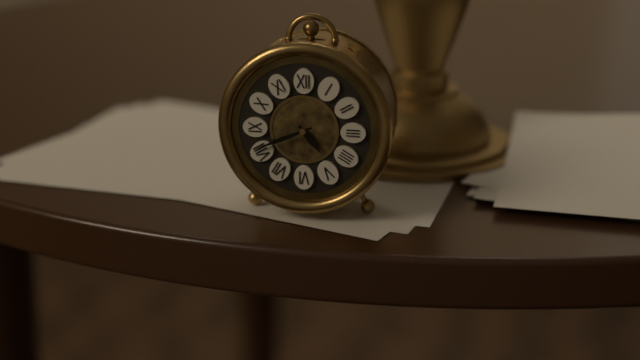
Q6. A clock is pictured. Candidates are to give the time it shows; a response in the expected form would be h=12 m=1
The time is h=4 m=41
